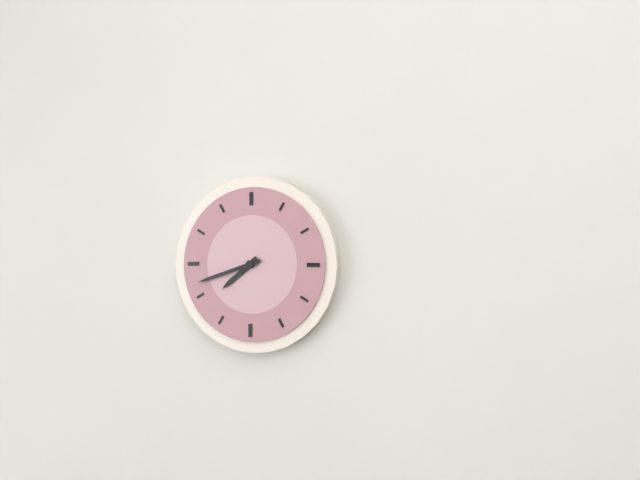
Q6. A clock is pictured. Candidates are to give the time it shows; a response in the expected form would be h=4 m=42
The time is h=7 m=42
